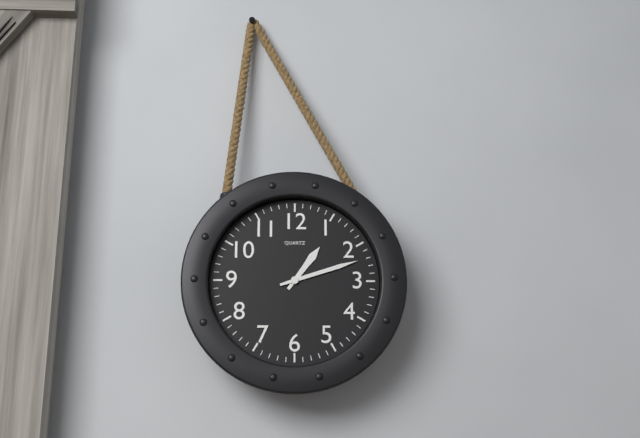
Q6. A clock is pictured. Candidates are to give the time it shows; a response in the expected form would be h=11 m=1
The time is h=1 m=12
